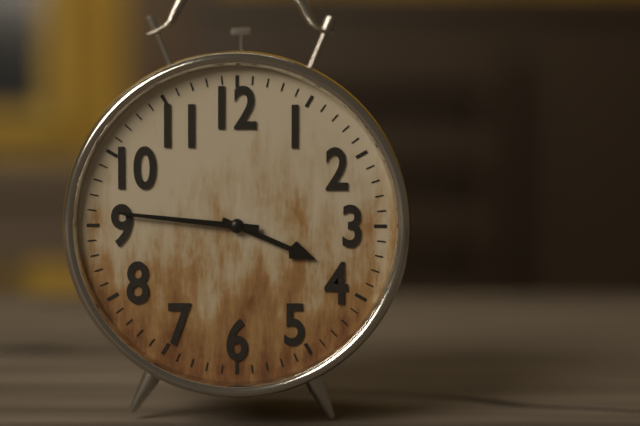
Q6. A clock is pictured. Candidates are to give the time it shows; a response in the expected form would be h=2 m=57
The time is h=3 m=46
